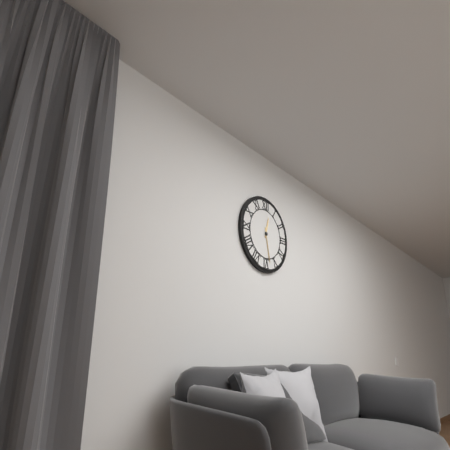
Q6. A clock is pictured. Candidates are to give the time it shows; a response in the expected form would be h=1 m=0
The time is h=12 m=28
